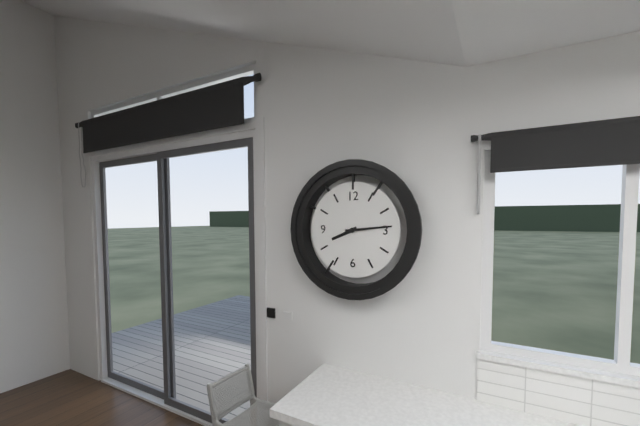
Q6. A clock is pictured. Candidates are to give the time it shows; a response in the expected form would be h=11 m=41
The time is h=8 m=14
